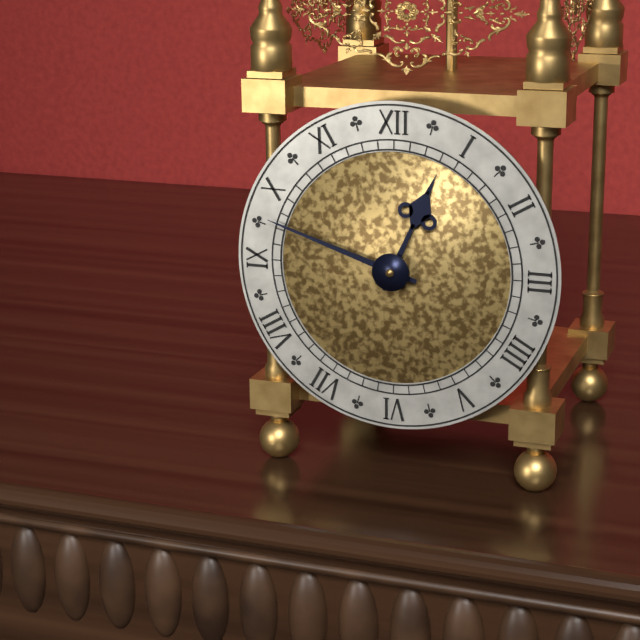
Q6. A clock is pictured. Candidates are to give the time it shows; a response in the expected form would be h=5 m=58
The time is h=12 m=48
